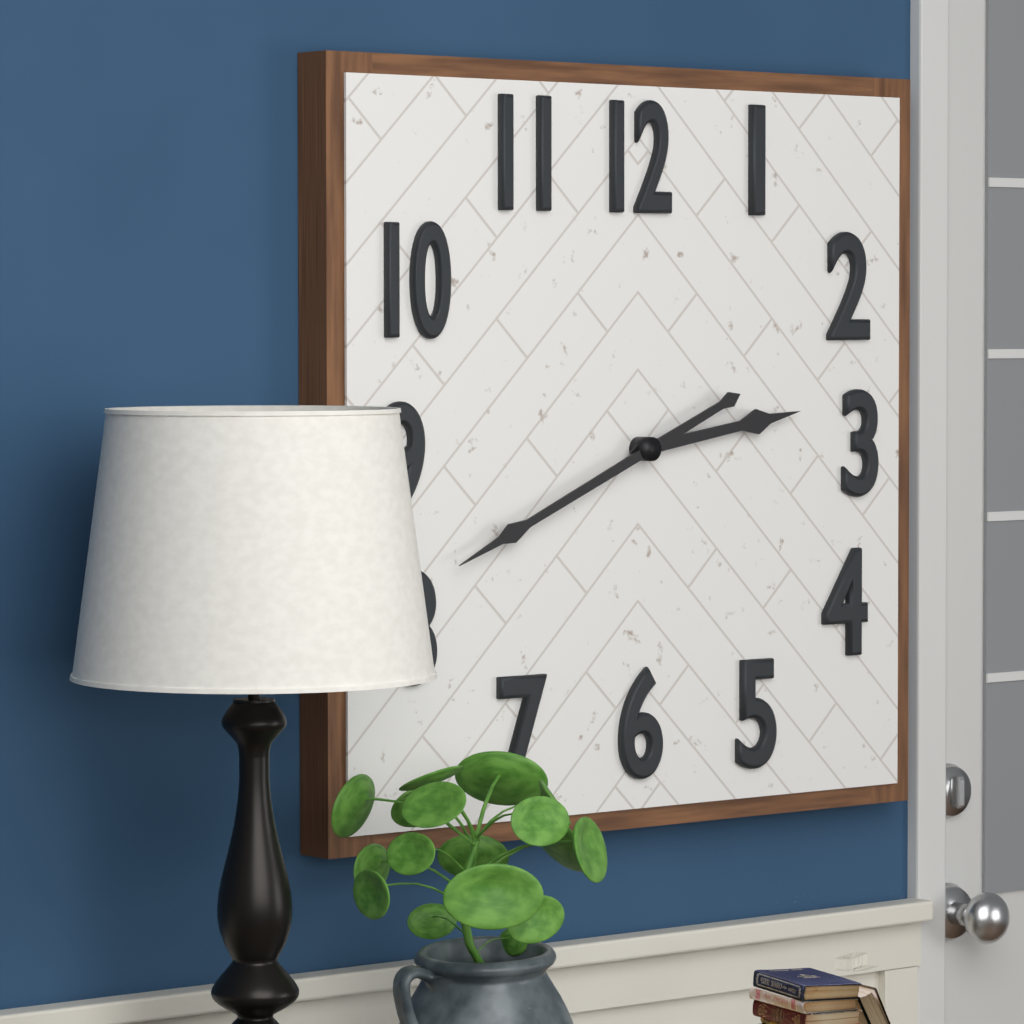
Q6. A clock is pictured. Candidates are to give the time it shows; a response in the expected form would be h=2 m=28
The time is h=2 m=41
